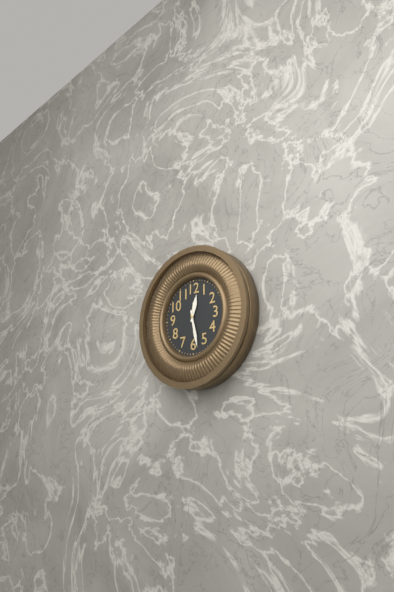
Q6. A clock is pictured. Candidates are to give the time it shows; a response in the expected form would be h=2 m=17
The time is h=12 m=28
